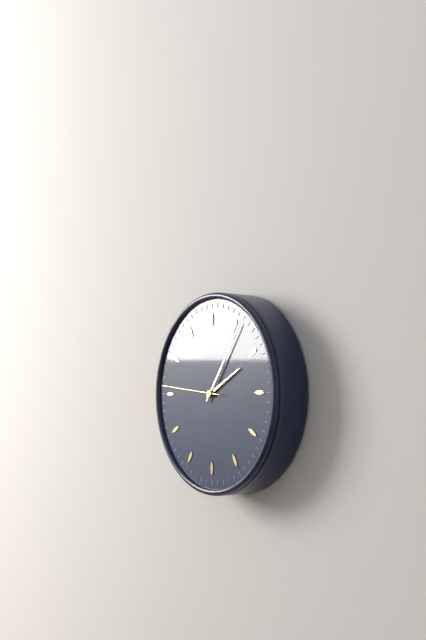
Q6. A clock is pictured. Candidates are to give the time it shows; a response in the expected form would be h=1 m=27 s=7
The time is h=2 m=6 s=46
